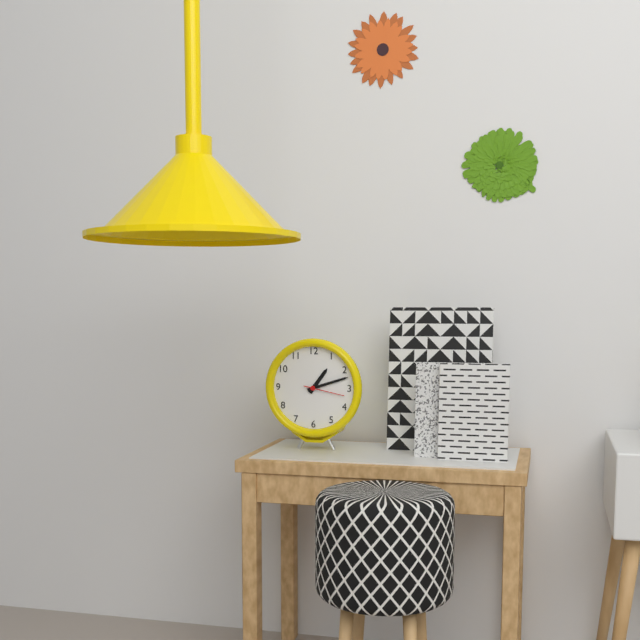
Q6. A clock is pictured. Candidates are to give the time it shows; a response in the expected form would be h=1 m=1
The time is h=1 m=12
